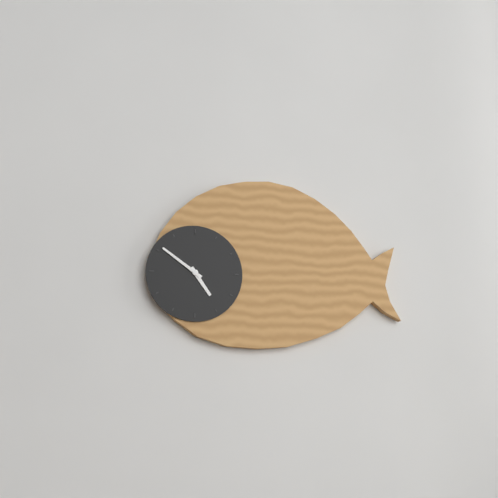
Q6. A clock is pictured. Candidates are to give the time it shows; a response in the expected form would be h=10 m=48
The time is h=4 m=51
